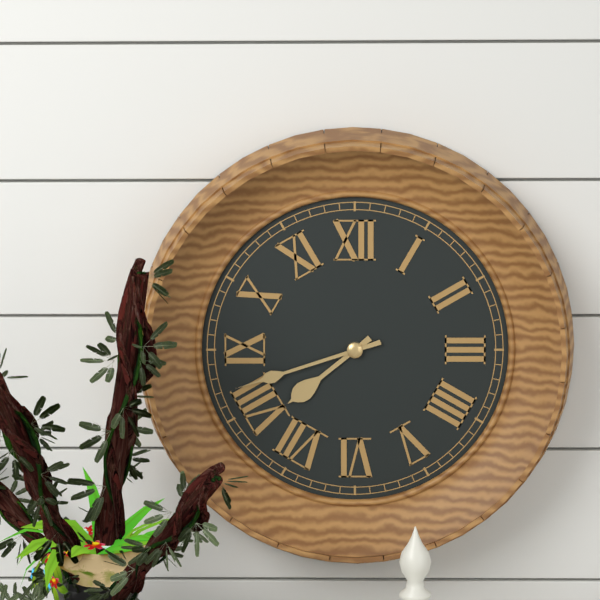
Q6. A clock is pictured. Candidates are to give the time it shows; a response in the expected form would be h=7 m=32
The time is h=7 m=42
